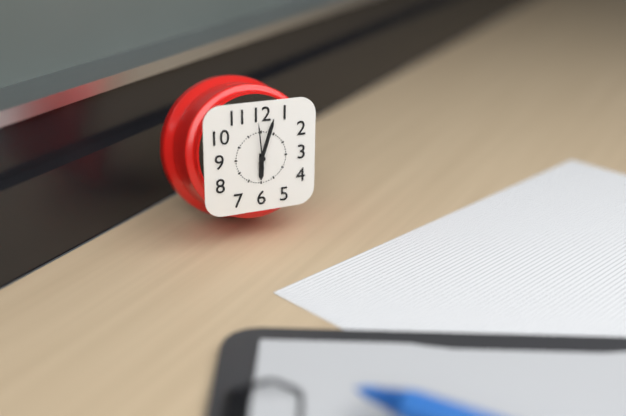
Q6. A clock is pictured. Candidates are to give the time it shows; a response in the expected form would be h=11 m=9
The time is h=6 m=3
